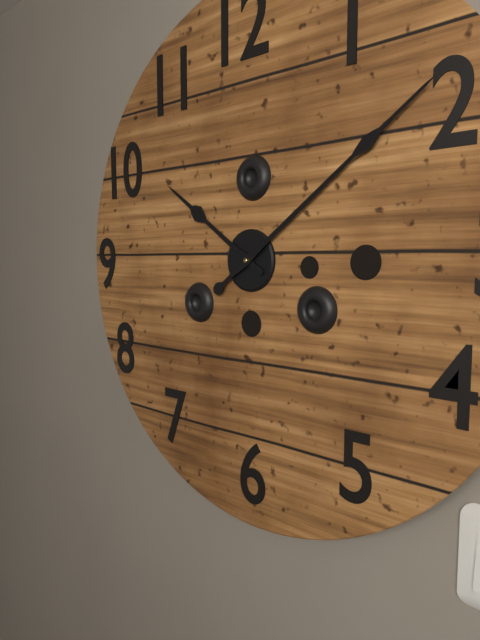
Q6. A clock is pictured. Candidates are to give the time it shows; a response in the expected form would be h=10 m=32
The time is h=10 m=9
